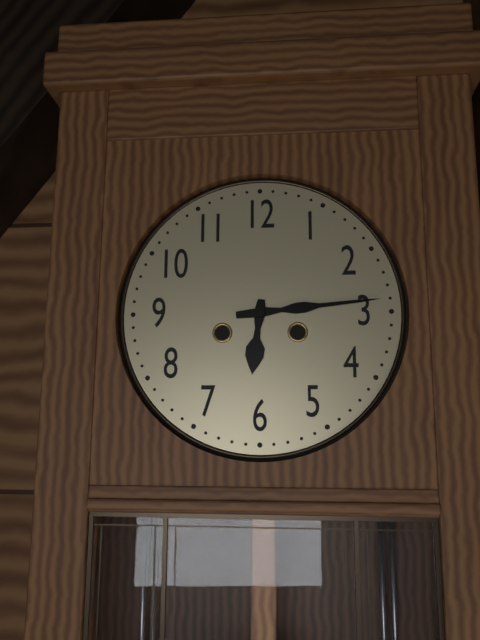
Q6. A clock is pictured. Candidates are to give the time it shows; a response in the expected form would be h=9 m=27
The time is h=6 m=14
